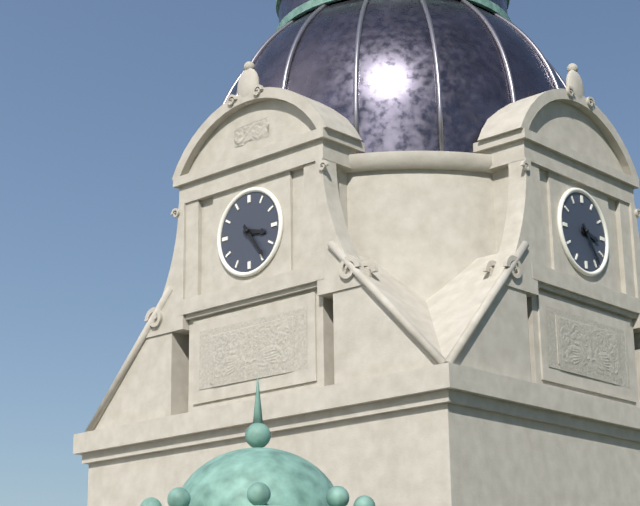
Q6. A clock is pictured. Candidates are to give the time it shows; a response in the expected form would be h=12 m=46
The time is h=3 m=24
